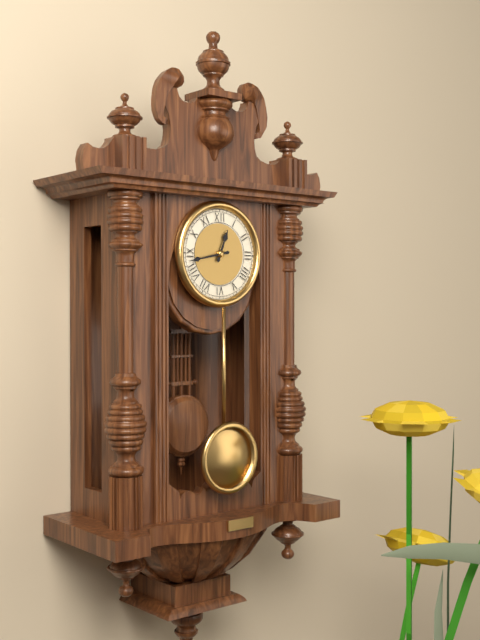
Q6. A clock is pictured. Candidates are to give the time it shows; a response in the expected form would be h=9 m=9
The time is h=12 m=43
